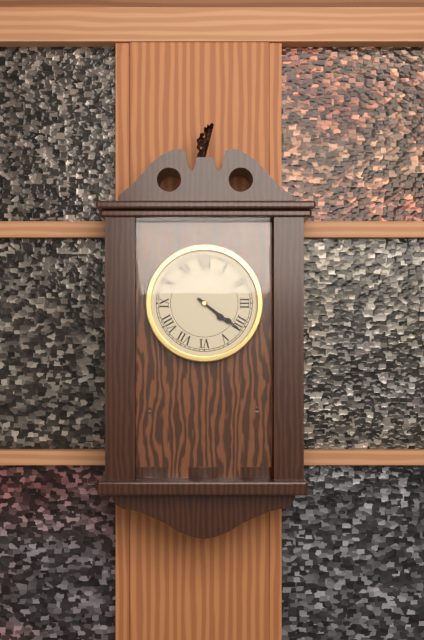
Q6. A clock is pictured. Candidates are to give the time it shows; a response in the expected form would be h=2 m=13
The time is h=4 m=21
